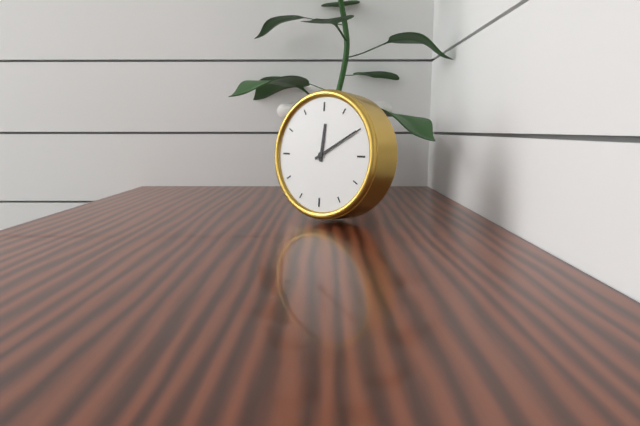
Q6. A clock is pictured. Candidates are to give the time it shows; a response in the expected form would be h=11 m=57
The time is h=12 m=10
